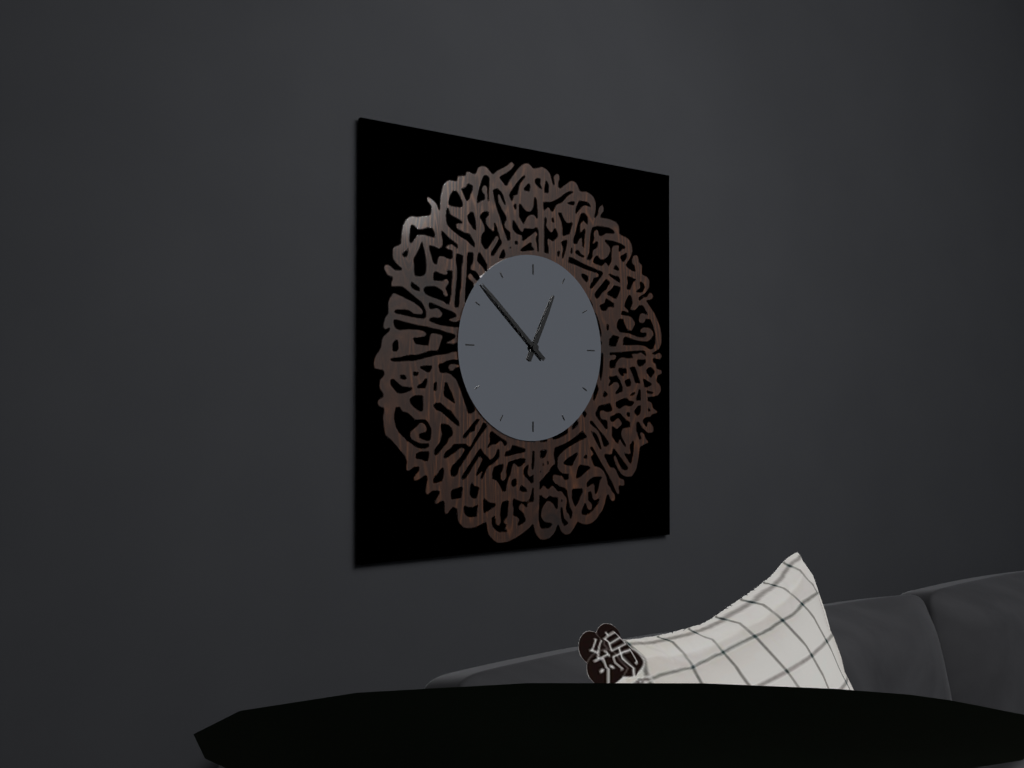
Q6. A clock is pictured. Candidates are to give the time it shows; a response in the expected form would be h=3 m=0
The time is h=12 m=52
